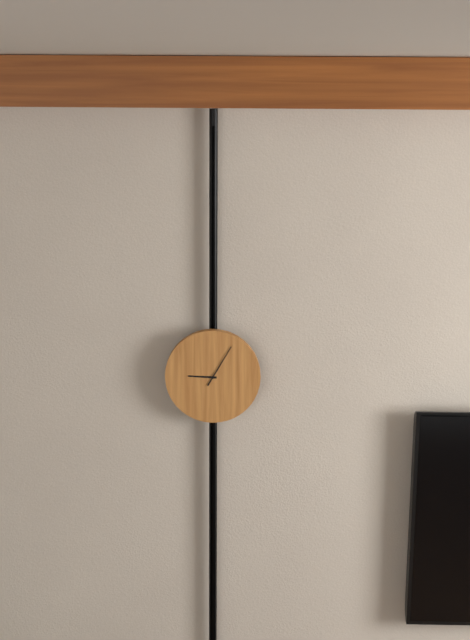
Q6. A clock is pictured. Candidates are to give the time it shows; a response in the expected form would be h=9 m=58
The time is h=9 m=5
